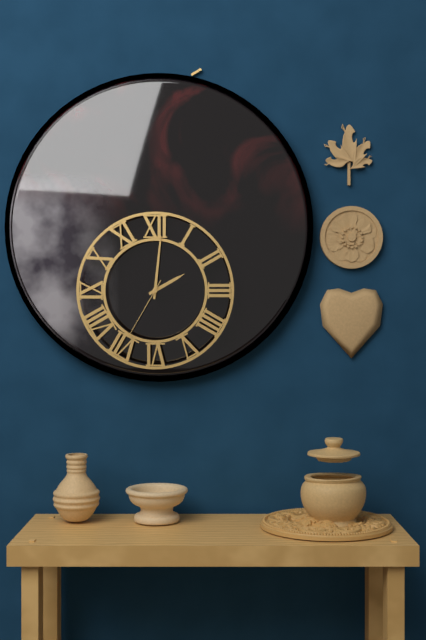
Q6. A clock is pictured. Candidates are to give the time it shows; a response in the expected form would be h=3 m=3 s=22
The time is h=2 m=1 s=35
